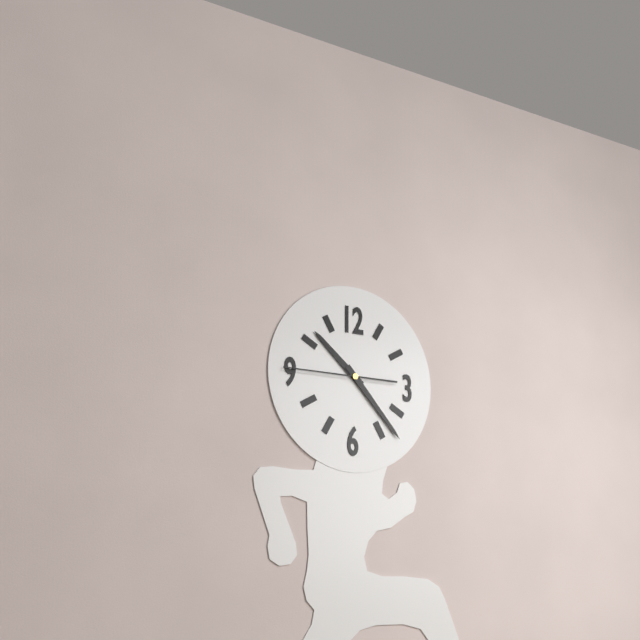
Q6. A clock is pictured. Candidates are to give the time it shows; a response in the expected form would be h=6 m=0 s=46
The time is h=10 m=23 s=45
